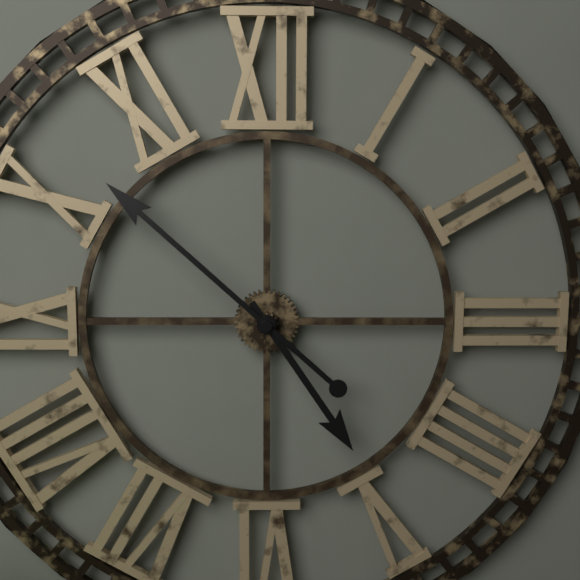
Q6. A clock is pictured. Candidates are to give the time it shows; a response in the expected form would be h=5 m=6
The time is h=4 m=52
